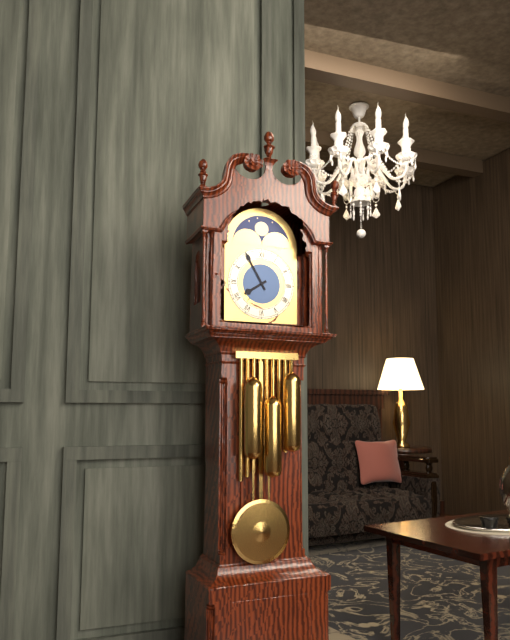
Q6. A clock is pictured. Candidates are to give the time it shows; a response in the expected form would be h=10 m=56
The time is h=7 m=55
